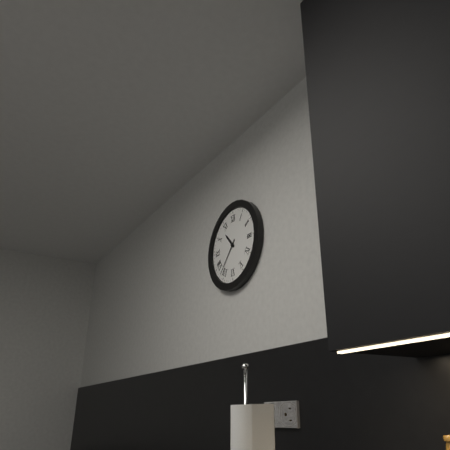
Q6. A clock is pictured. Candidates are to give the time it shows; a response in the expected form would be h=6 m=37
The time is h=10 m=37
